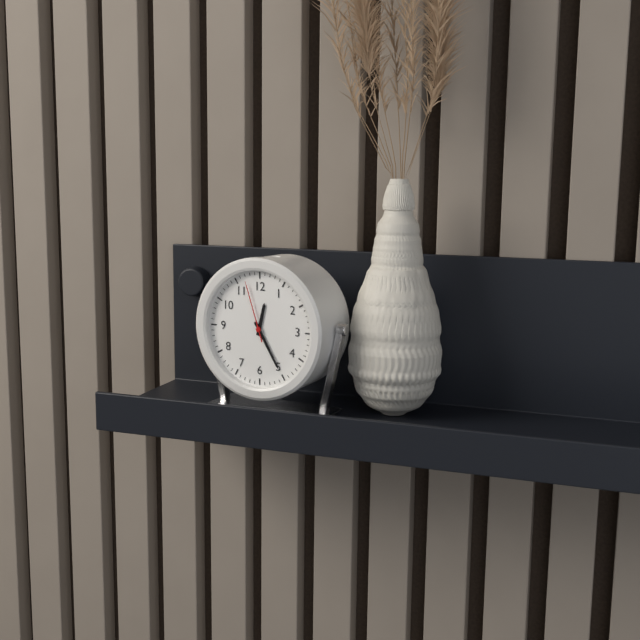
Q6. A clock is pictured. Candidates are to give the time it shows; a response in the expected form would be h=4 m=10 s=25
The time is h=12 m=25 s=57
